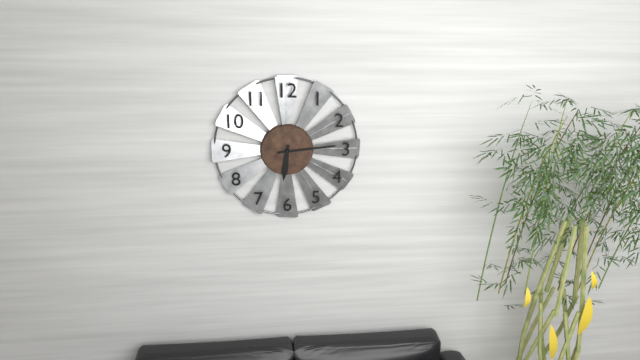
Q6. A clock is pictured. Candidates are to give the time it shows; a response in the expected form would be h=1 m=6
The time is h=6 m=14
